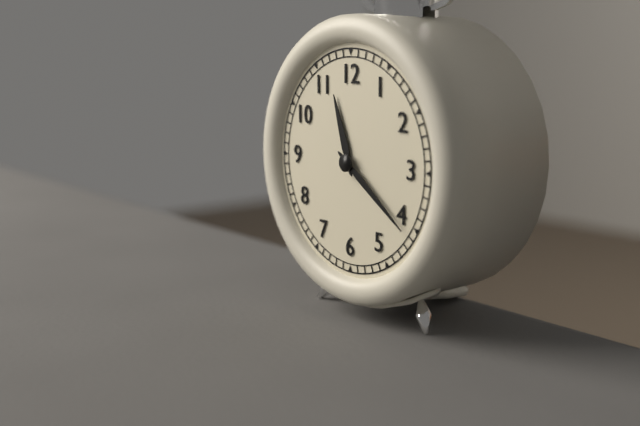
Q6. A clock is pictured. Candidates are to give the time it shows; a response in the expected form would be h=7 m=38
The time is h=11 m=21
